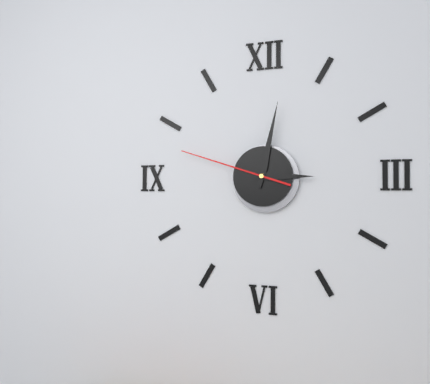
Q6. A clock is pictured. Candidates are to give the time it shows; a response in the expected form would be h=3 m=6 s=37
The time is h=3 m=2 s=48
